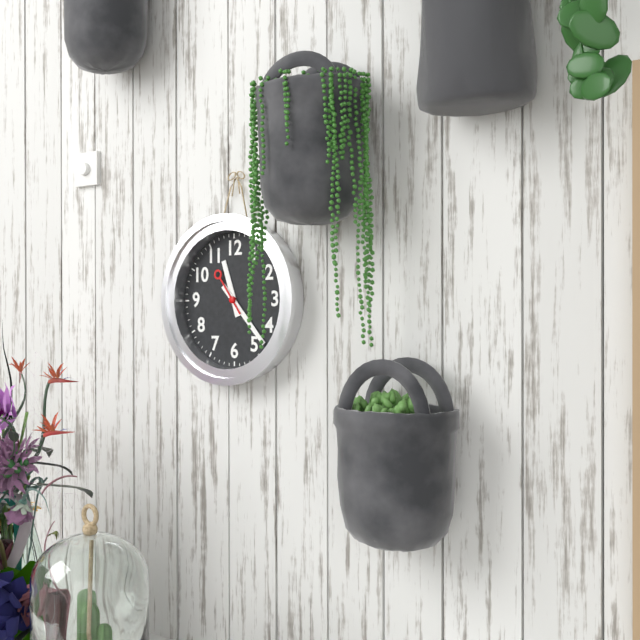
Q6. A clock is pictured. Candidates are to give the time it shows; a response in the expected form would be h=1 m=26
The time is h=11 m=23
